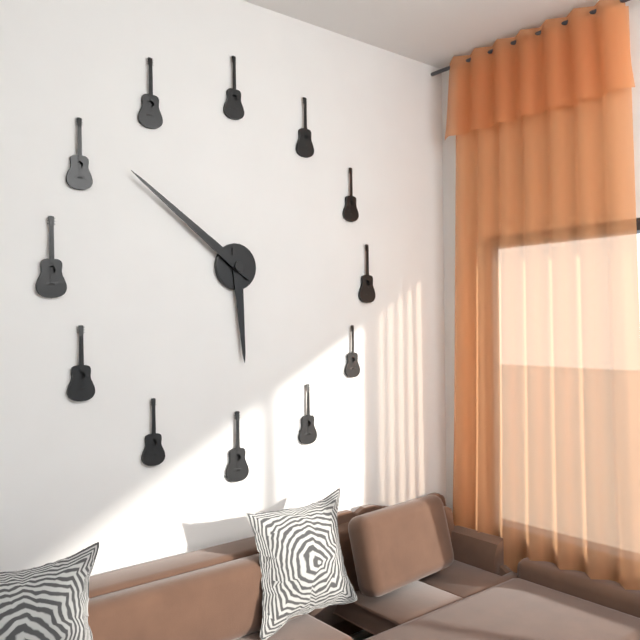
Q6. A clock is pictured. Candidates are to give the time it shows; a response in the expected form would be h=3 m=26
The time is h=5 m=51
